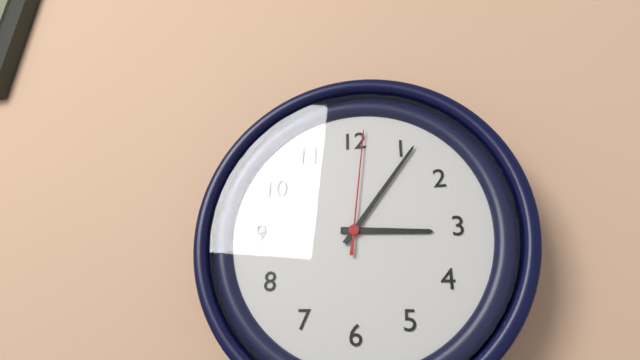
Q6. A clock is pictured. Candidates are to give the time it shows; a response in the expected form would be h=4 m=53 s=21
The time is h=3 m=6 s=1
